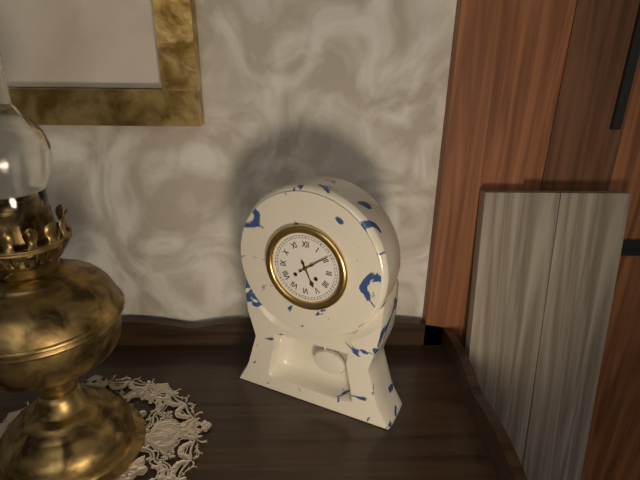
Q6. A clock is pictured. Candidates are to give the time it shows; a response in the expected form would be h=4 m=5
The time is h=5 m=9
